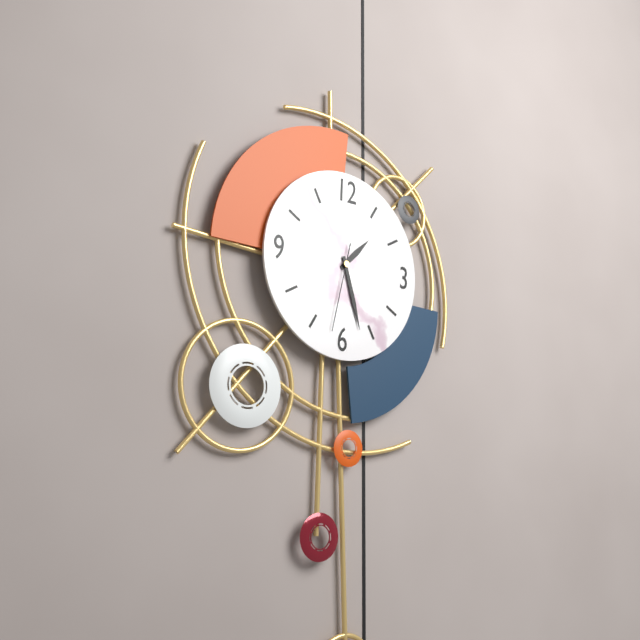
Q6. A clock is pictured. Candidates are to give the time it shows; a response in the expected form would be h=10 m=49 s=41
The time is h=1 m=27 s=32
